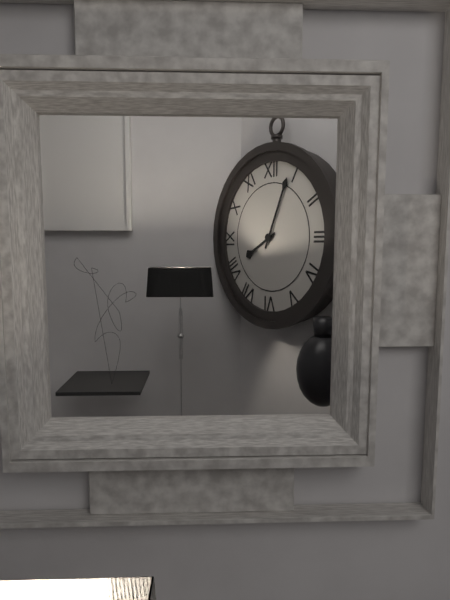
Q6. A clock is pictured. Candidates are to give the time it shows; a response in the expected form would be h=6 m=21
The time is h=8 m=4
